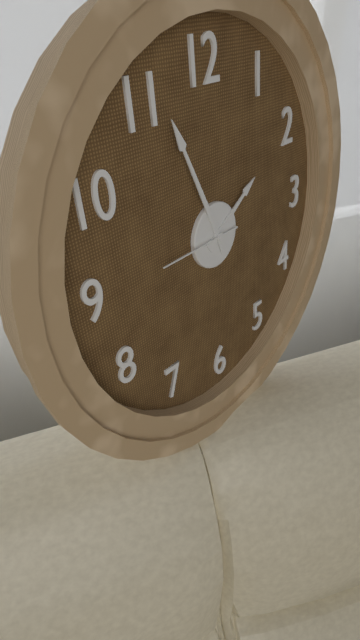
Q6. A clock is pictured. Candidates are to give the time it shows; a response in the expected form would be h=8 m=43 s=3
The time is h=1 m=56 s=45
